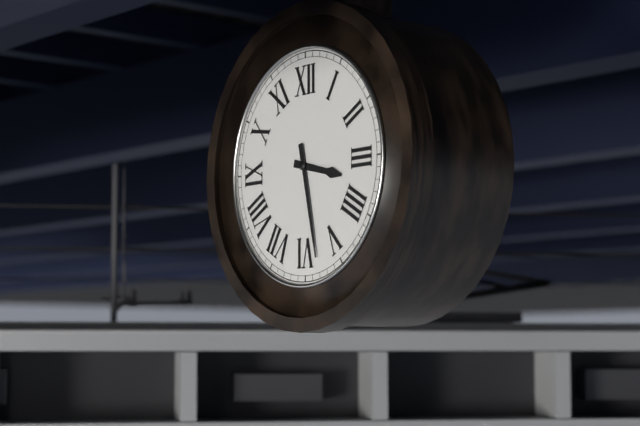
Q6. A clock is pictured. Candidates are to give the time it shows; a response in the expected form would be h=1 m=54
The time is h=3 m=28
